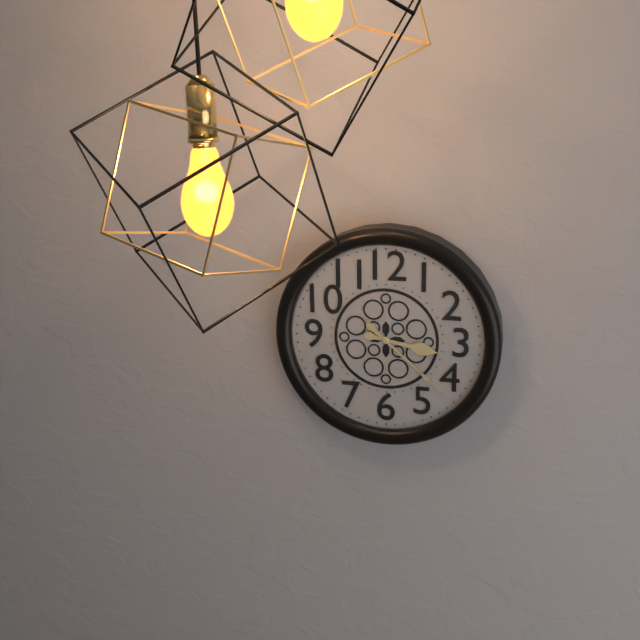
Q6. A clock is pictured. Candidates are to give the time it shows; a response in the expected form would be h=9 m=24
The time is h=3 m=22
